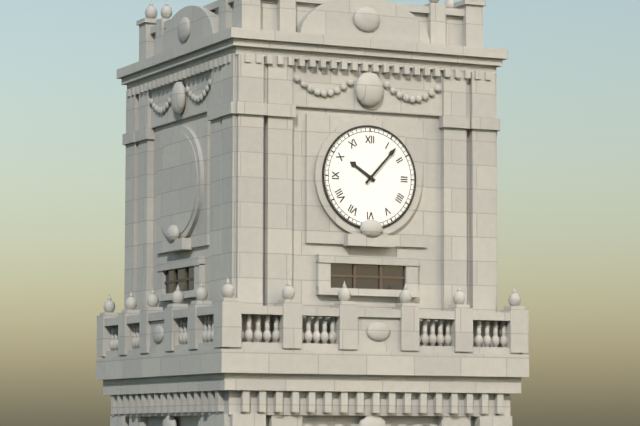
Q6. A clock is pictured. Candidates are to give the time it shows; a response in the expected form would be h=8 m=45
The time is h=10 m=7
